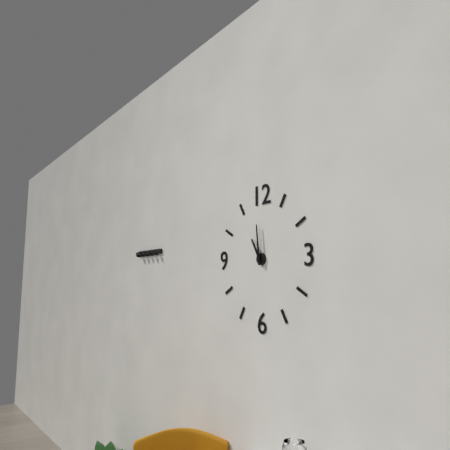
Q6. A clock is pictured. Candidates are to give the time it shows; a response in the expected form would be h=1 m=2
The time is h=10 m=59
